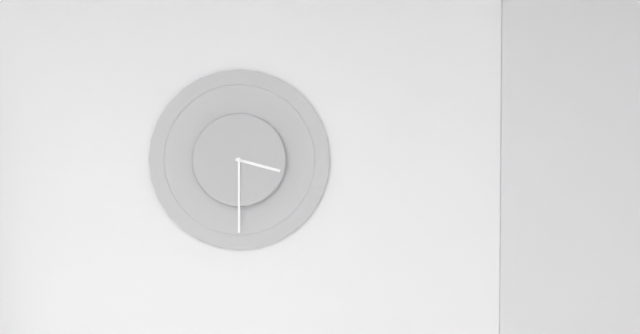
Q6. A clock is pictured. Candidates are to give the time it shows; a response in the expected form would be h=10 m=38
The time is h=3 m=30
